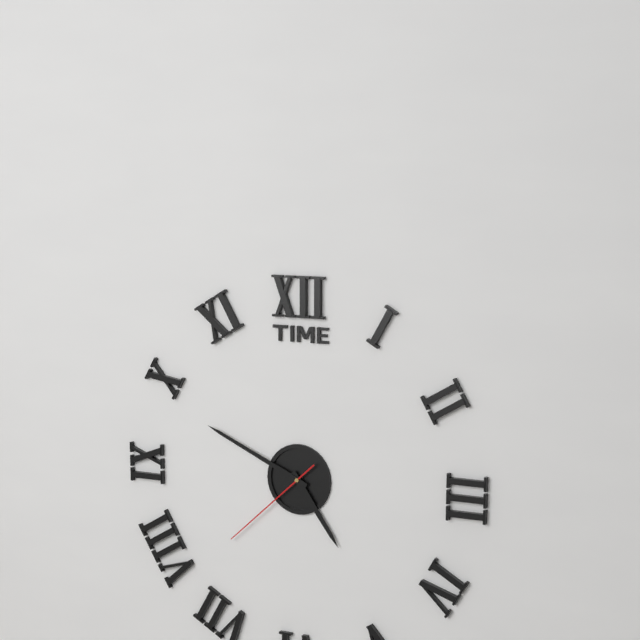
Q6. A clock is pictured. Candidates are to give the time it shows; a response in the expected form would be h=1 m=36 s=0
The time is h=4 m=49 s=38
